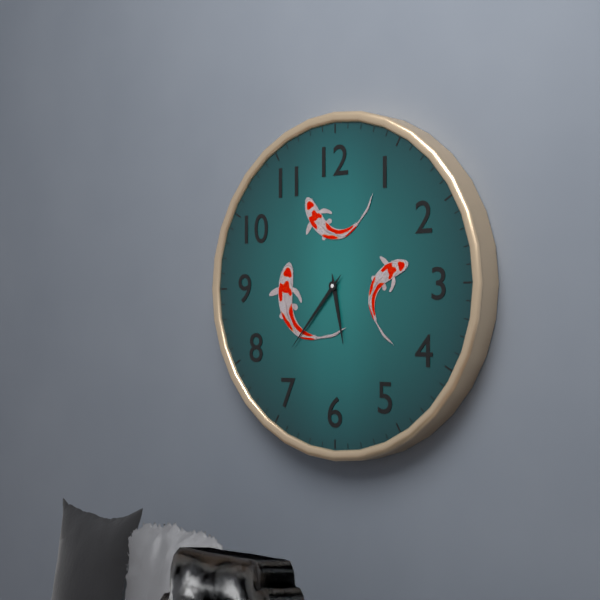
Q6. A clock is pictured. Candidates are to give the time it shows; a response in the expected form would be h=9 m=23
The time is h=5 m=37
